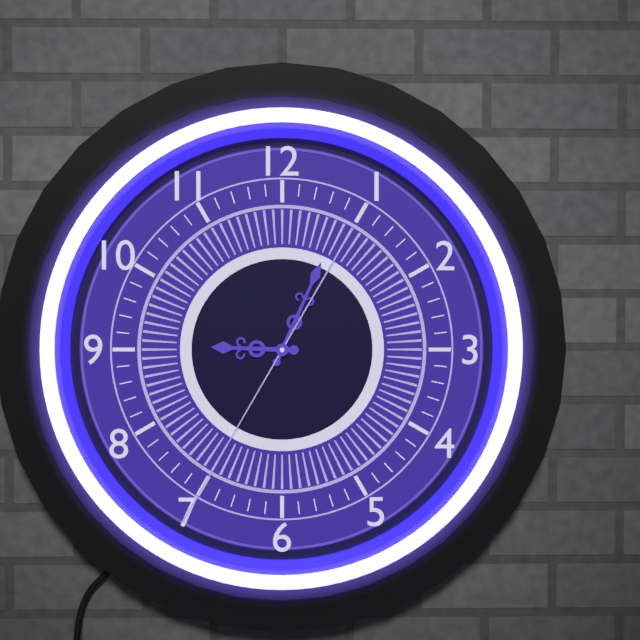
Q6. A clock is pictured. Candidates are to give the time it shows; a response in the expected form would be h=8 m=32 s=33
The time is h=9 m=4 s=35
